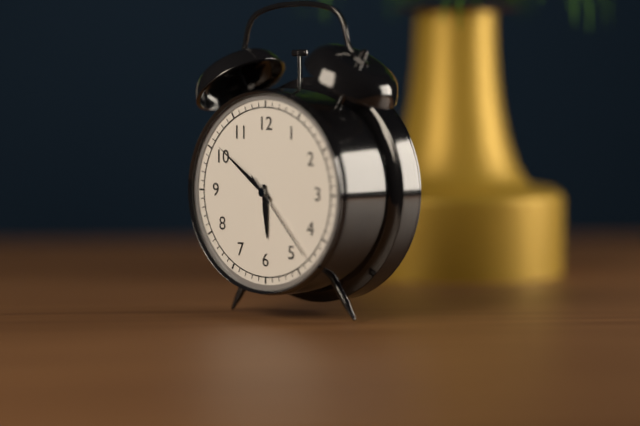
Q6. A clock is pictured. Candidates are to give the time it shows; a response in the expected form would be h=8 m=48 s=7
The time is h=5 m=51 s=23
